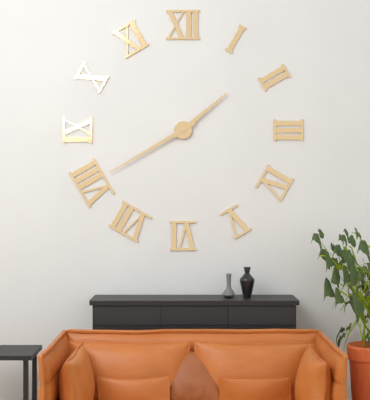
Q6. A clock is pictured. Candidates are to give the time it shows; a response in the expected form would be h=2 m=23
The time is h=1 m=40
